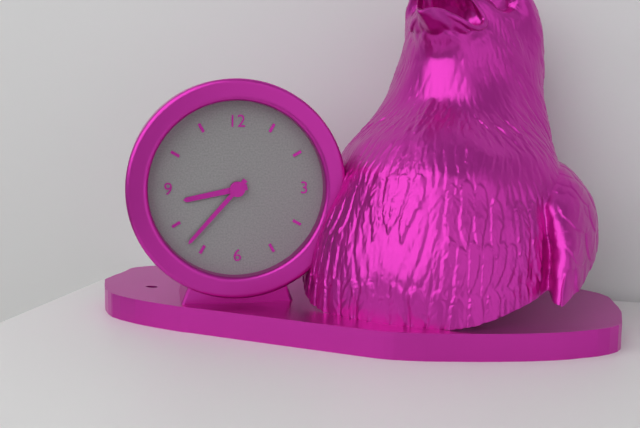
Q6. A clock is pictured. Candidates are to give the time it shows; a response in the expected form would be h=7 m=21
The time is h=8 m=37
